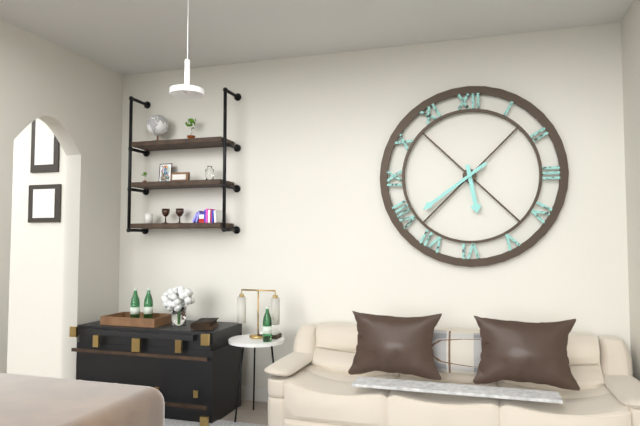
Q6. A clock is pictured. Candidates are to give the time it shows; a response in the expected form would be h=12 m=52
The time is h=5 m=39
